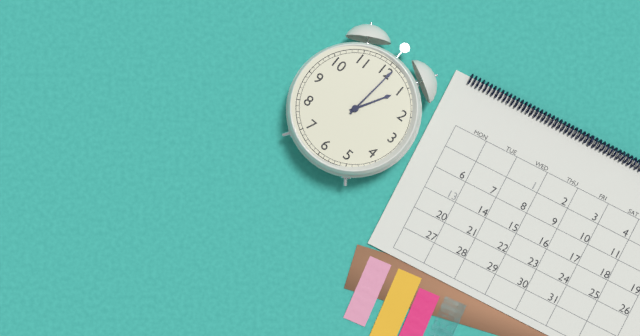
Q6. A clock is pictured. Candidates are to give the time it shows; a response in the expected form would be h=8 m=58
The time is h=1 m=1
